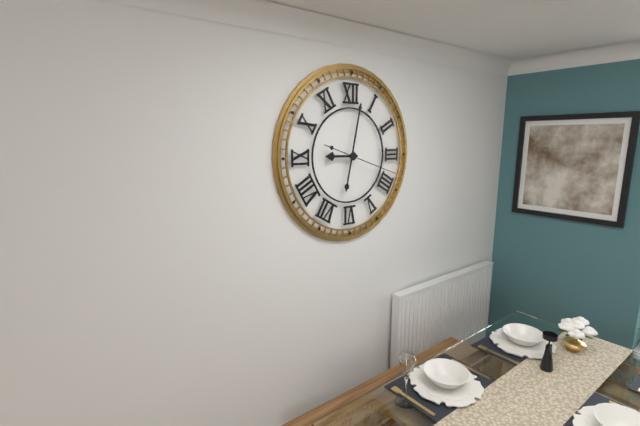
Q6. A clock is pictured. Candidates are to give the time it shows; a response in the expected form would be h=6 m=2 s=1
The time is h=9 m=2 s=18
